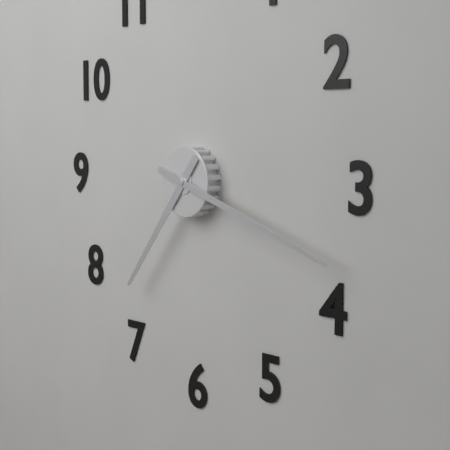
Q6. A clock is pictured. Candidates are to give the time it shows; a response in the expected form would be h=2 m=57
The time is h=7 m=18
